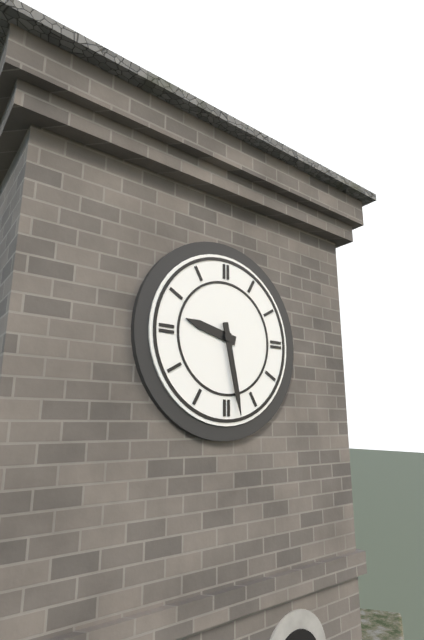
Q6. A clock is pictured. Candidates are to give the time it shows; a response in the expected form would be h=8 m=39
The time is h=9 m=28
